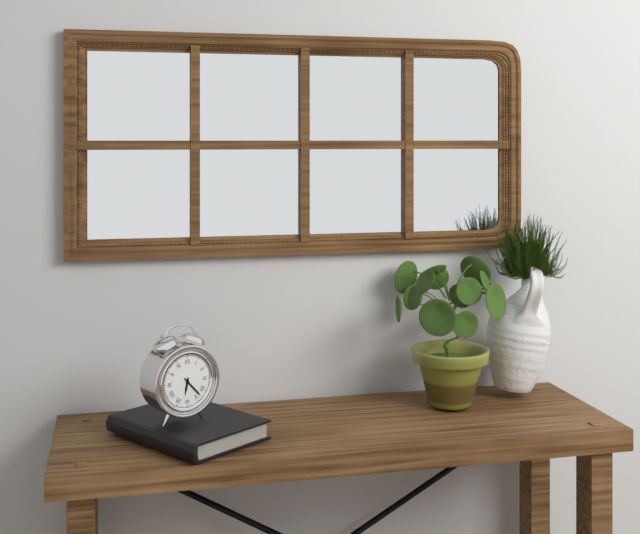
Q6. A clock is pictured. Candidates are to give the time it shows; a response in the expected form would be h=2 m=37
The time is h=6 m=23
